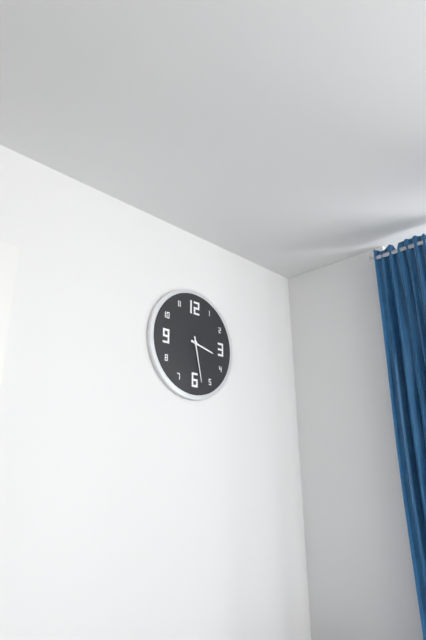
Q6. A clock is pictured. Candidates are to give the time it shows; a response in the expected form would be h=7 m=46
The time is h=3 m=28
